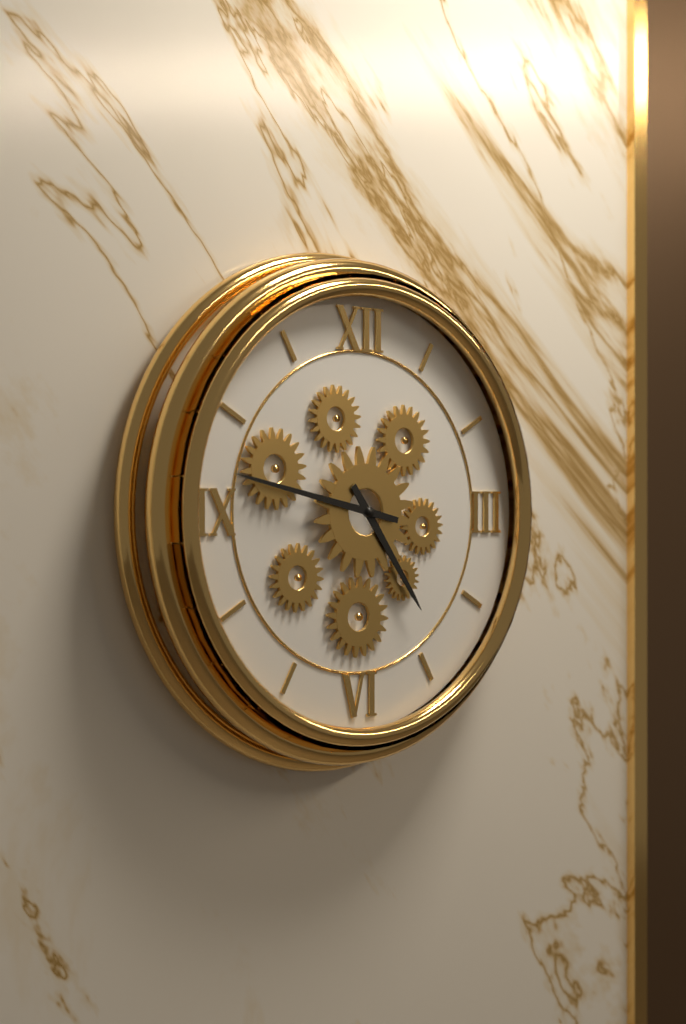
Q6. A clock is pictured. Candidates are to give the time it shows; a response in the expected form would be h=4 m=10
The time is h=4 m=47
